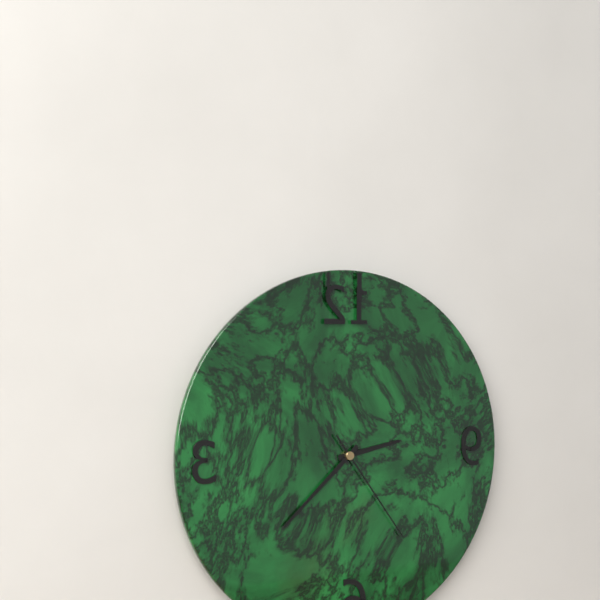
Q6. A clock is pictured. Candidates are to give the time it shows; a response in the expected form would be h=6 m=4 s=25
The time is h=2 m=38 s=24
